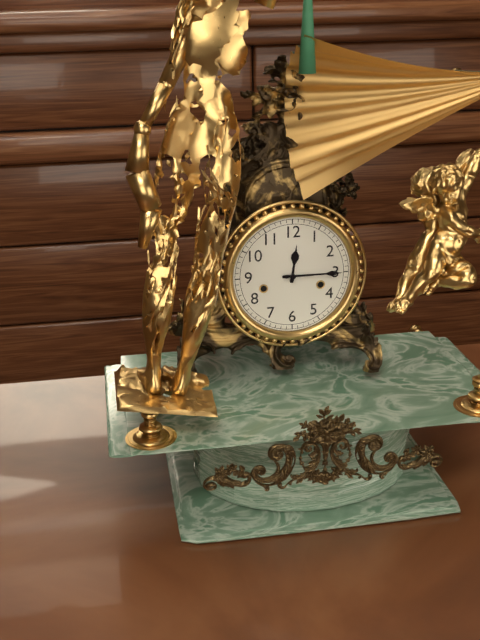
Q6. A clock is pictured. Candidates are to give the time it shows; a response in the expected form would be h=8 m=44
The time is h=12 m=15
